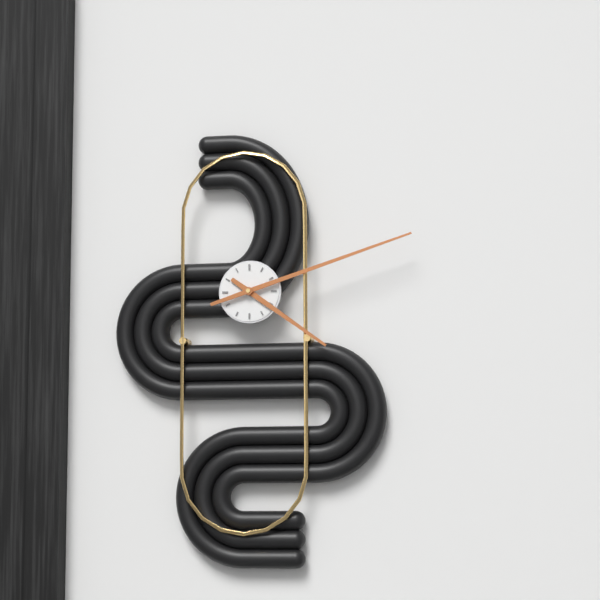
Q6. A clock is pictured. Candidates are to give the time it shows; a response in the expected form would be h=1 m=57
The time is h=4 m=12
